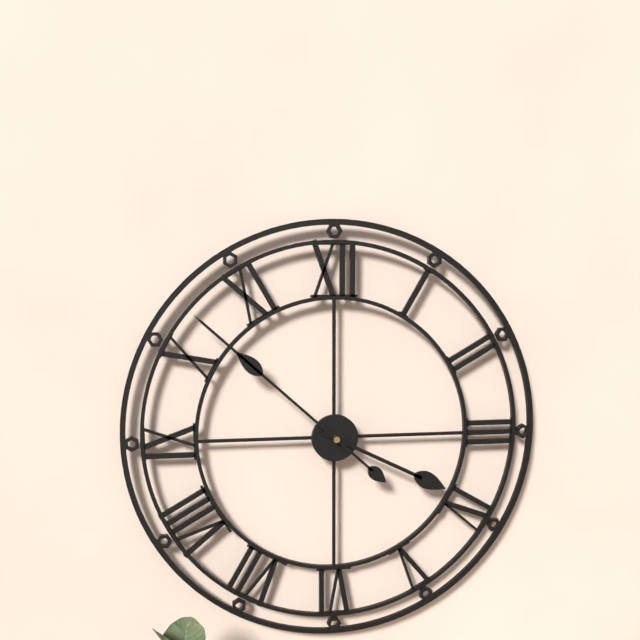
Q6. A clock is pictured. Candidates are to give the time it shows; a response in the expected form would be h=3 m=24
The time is h=3 m=52
